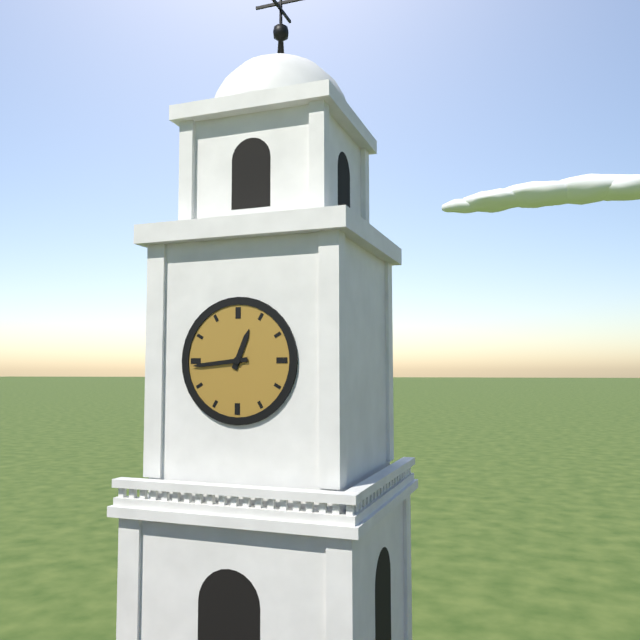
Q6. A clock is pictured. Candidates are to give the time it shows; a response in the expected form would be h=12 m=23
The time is h=12 m=44
